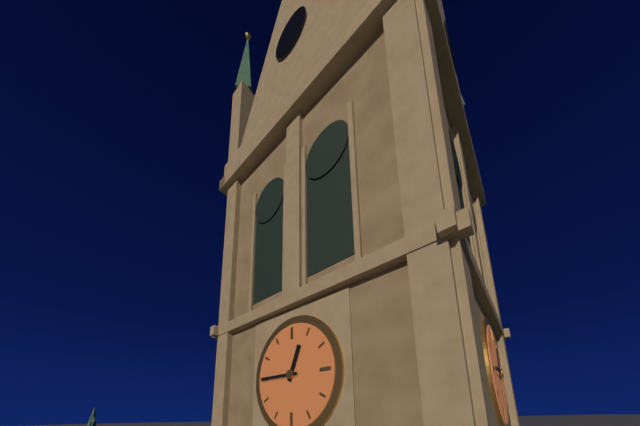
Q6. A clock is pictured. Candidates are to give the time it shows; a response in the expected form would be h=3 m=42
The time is h=12 m=45
